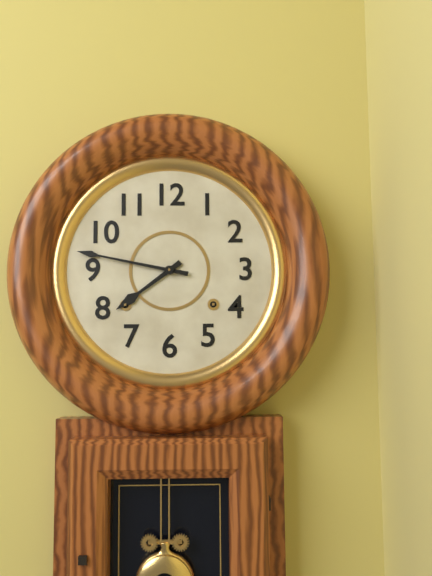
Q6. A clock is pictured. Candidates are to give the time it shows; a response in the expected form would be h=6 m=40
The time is h=7 m=47
